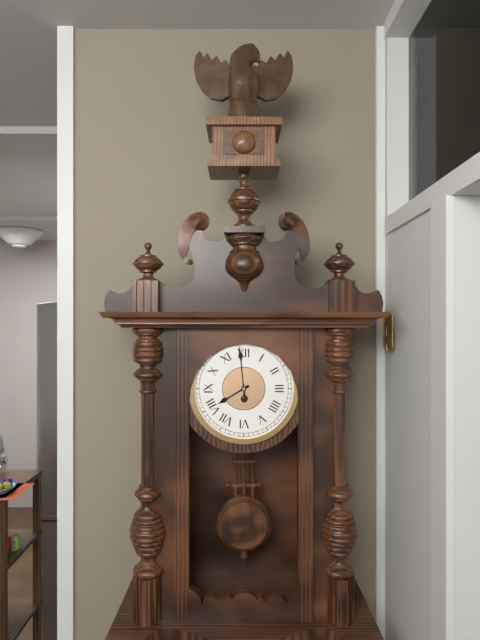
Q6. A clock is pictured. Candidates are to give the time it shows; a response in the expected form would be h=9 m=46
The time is h=7 m=59
